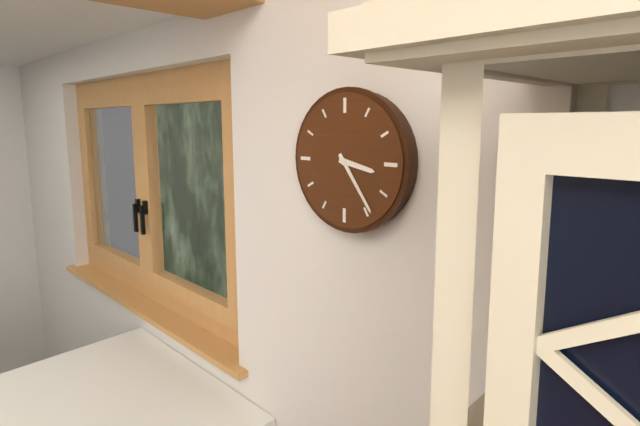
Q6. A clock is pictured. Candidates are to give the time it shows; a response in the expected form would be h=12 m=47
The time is h=3 m=24
